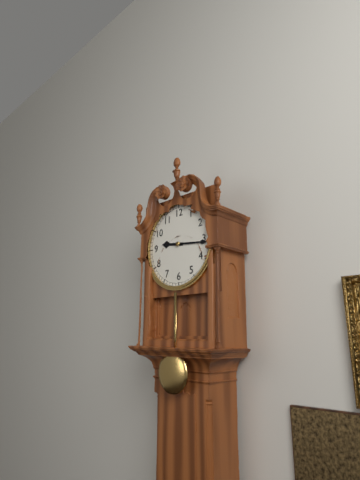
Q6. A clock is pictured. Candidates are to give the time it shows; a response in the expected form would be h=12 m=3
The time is h=9 m=16
